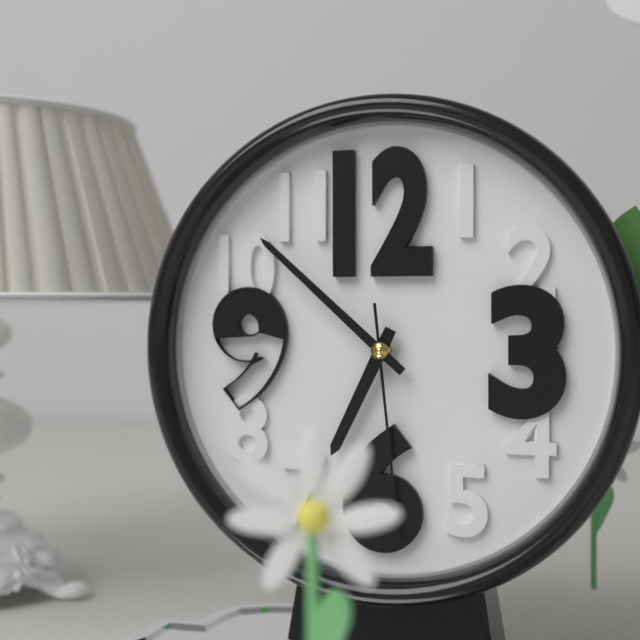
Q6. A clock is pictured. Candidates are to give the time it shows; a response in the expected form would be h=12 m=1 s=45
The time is h=6 m=52 s=29
